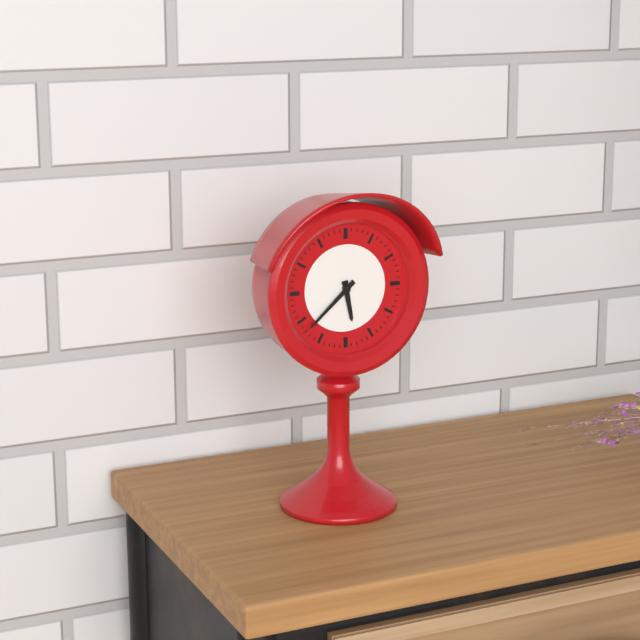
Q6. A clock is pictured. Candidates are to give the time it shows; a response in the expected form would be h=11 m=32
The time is h=5 m=38
